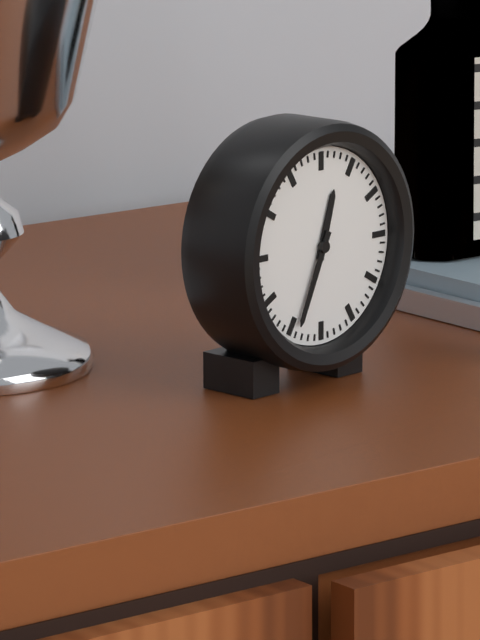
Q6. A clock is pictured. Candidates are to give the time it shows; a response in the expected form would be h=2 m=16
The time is h=12 m=34
